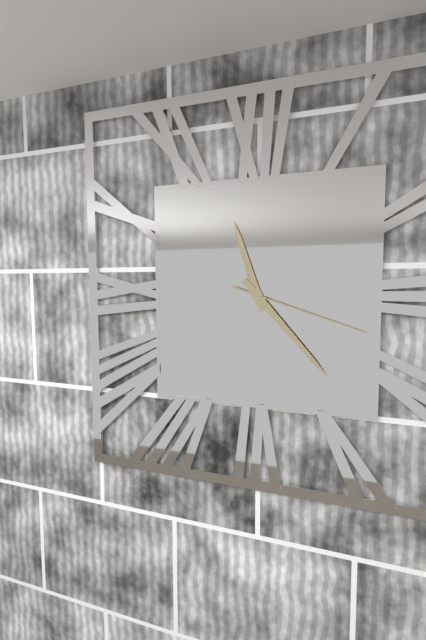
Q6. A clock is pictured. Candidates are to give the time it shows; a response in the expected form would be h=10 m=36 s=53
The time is h=11 m=23 s=18
